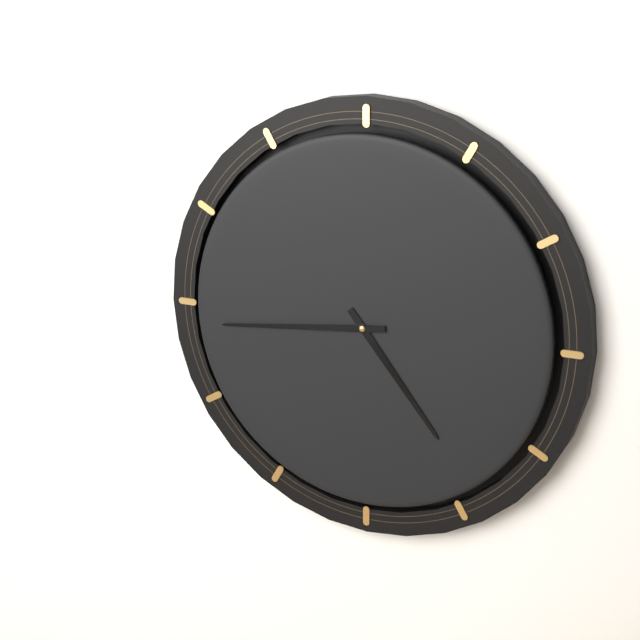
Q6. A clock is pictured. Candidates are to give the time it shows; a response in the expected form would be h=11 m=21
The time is h=4 m=44
